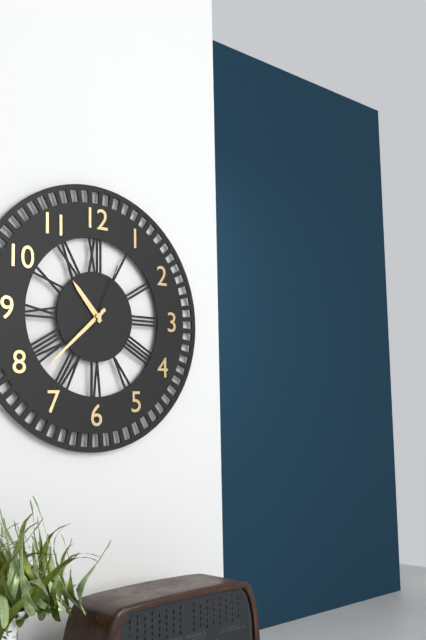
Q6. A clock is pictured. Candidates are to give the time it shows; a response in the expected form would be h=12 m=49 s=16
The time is h=10 m=38 s=4
